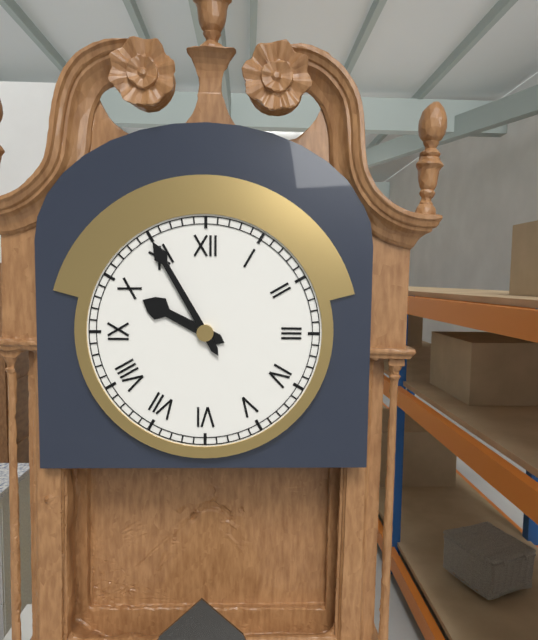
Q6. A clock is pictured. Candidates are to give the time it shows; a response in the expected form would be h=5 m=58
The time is h=9 m=55
